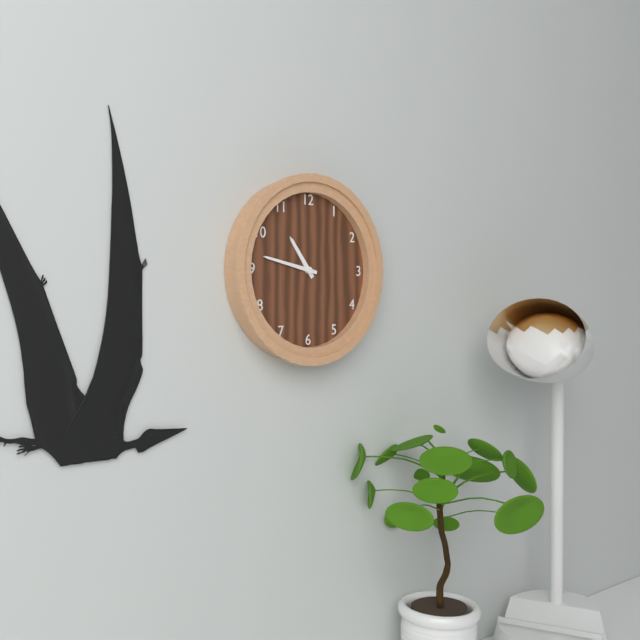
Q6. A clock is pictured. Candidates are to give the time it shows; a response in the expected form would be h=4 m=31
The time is h=10 m=47
